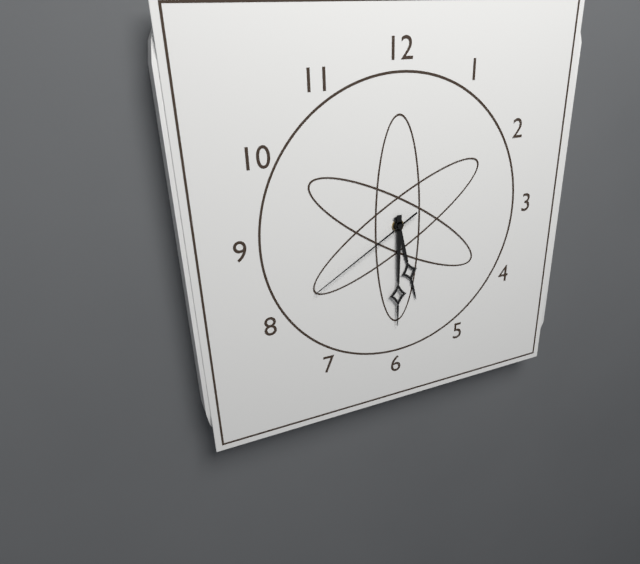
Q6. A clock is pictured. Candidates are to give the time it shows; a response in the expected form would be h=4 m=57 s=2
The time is h=5 m=30 s=40
